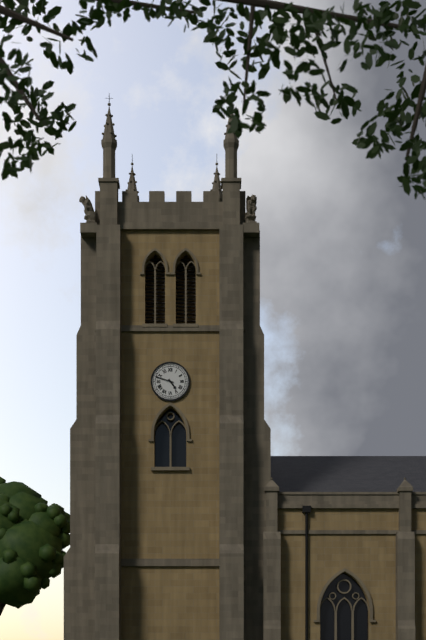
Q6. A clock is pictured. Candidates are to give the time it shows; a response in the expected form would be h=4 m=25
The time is h=4 m=48
